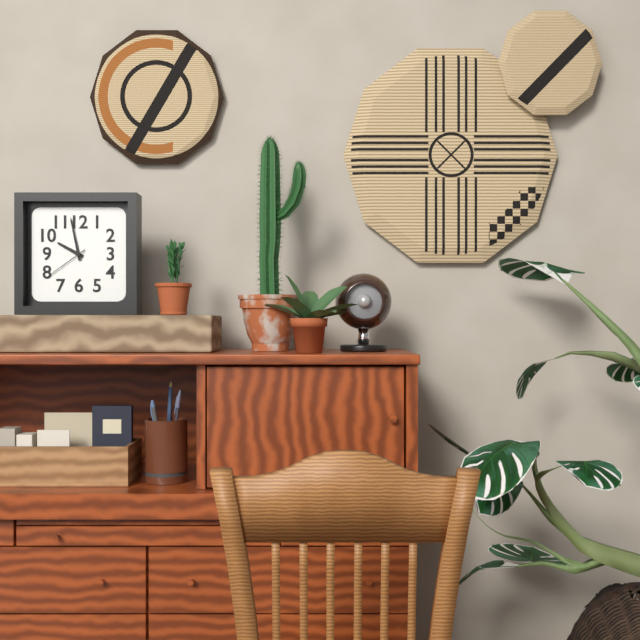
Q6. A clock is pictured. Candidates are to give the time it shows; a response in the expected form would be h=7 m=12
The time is h=9 m=58
